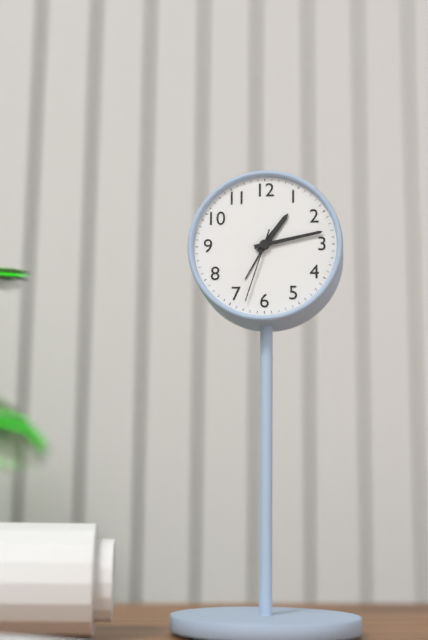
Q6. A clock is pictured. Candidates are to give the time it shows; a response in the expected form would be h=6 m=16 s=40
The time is h=1 m=13 s=33
